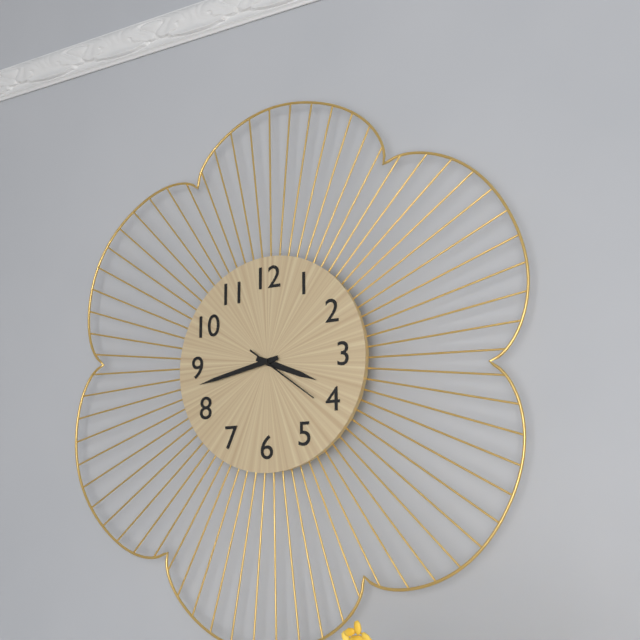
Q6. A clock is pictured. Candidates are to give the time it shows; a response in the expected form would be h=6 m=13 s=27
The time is h=3 m=43 s=21
